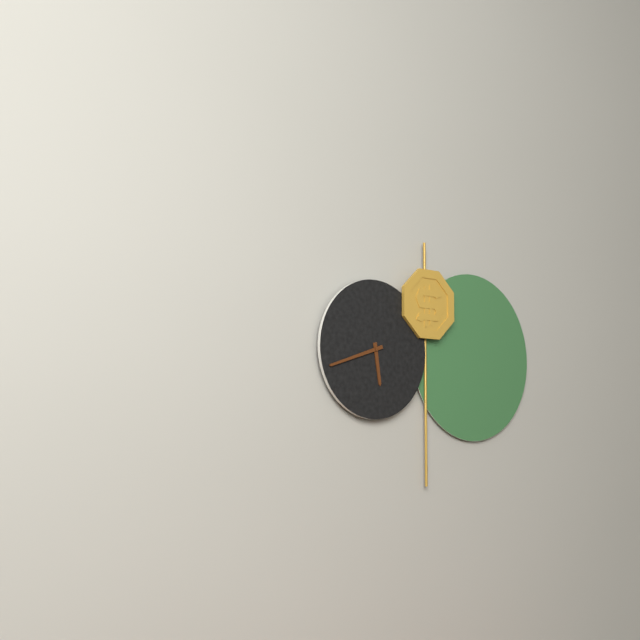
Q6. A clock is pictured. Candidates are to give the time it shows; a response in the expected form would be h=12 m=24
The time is h=5 m=42
